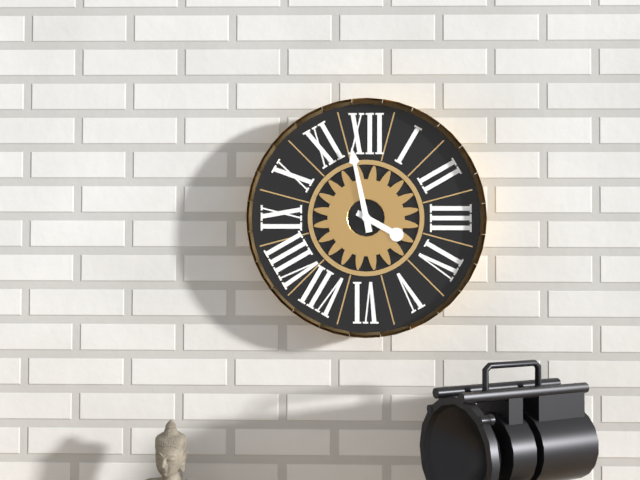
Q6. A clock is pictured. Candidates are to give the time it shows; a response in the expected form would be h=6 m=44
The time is h=3 m=58
